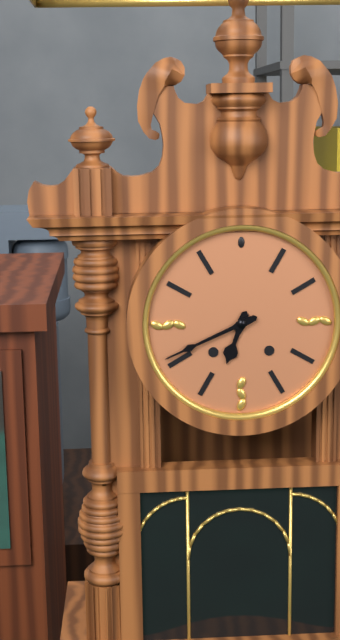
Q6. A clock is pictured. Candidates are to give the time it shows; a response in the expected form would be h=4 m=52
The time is h=6 m=41
